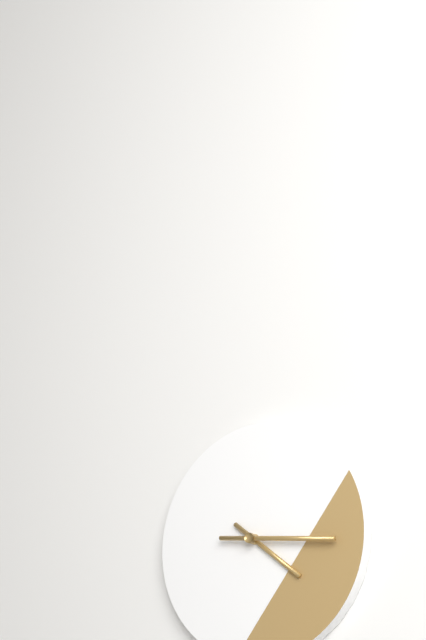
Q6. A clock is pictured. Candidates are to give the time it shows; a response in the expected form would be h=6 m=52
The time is h=4 m=16
